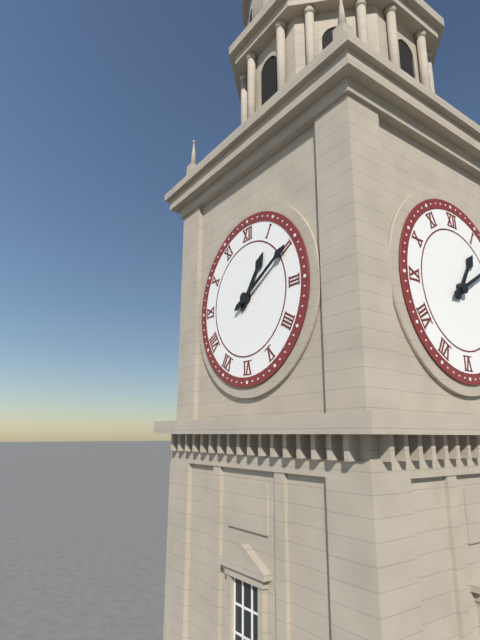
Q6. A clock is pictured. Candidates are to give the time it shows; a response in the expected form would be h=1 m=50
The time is h=1 m=10
